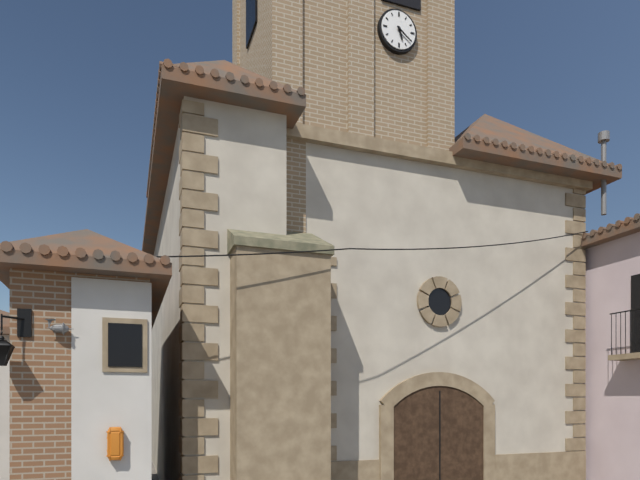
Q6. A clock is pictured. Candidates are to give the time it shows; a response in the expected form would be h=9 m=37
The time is h=5 m=21
